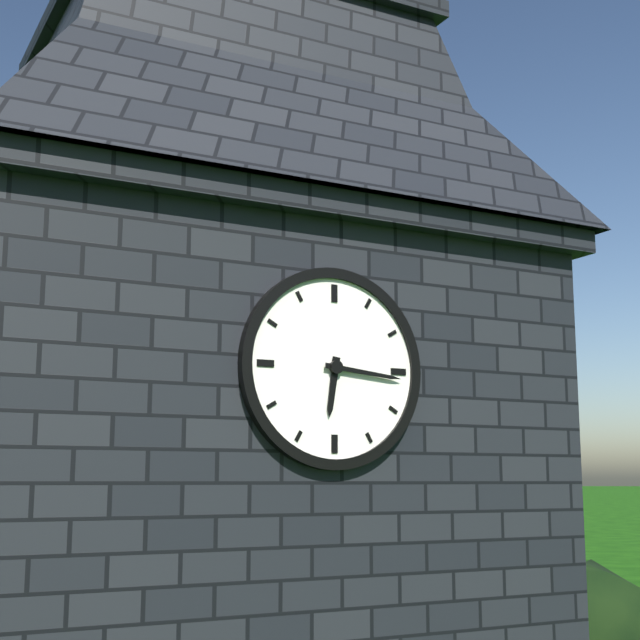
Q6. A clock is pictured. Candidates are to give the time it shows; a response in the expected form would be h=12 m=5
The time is h=6 m=16
